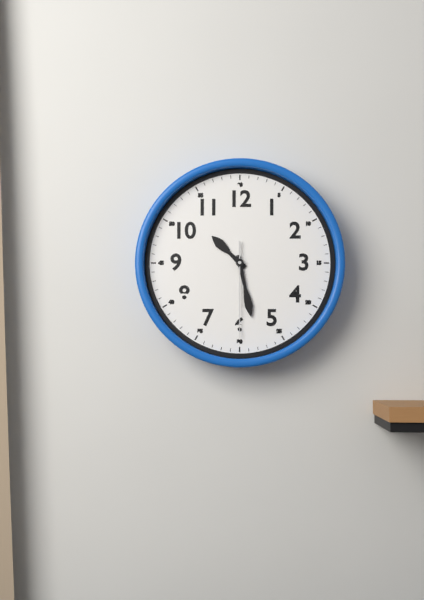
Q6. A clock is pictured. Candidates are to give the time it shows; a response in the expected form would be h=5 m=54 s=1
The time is h=10 m=28 s=30
